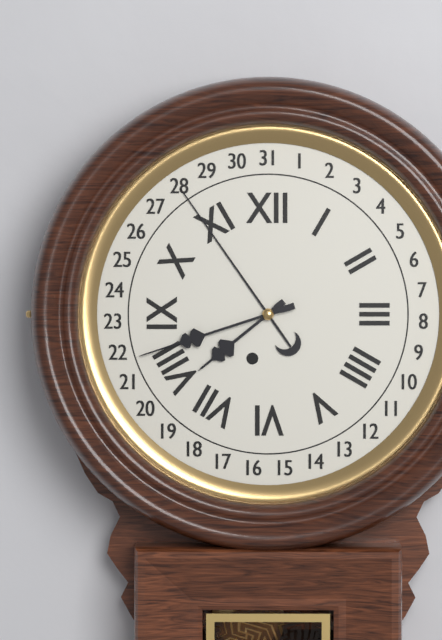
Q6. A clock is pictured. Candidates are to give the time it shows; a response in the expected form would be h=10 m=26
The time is h=7 m=42
